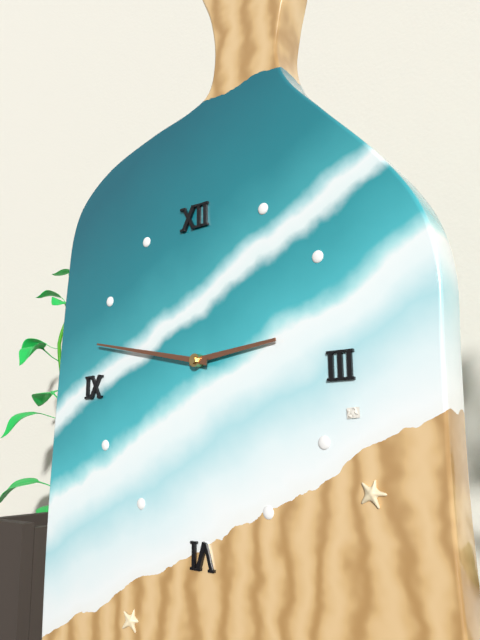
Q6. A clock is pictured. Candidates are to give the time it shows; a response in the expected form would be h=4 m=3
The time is h=2 m=47
